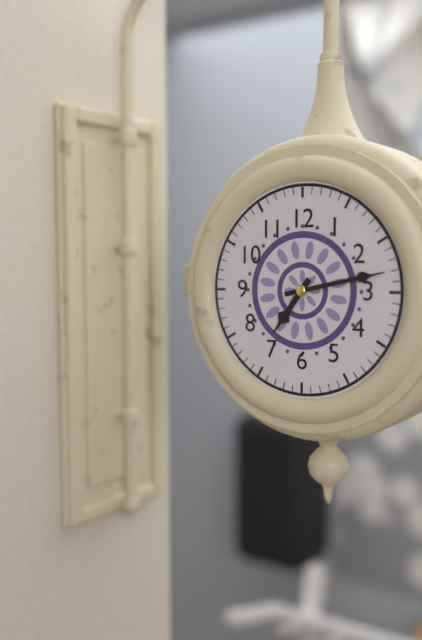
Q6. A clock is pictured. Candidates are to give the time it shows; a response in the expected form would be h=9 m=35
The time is h=7 m=13
